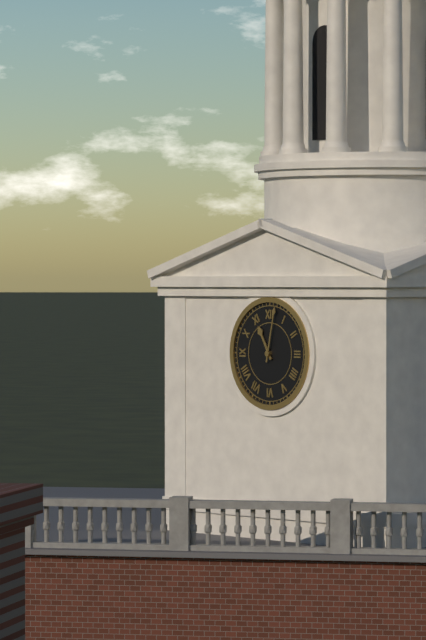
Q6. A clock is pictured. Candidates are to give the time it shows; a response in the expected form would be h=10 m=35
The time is h=11 m=2
